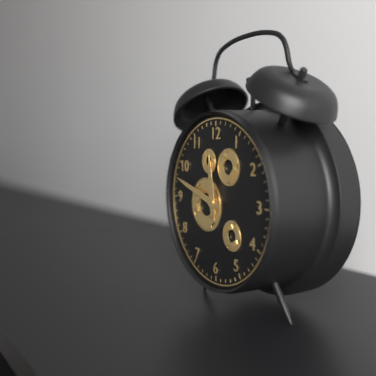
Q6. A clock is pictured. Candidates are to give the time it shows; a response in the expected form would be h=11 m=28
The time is h=11 m=48
